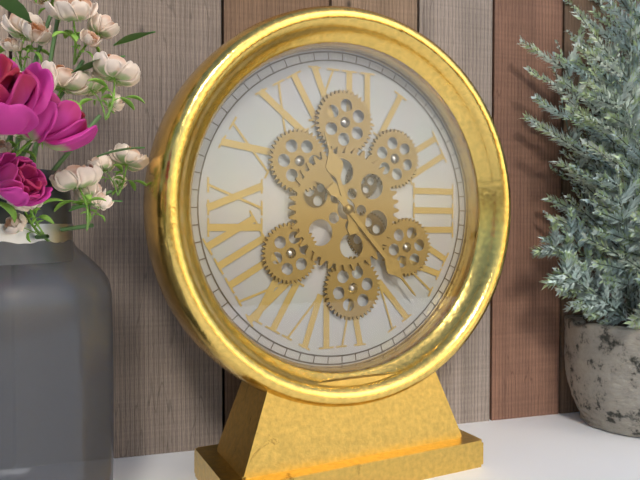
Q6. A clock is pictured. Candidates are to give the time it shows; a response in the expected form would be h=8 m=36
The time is h=11 m=23
